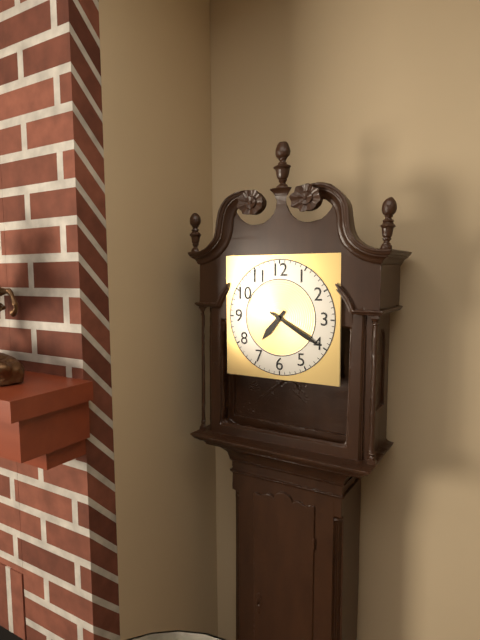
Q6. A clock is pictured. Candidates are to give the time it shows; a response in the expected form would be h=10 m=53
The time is h=7 m=20
